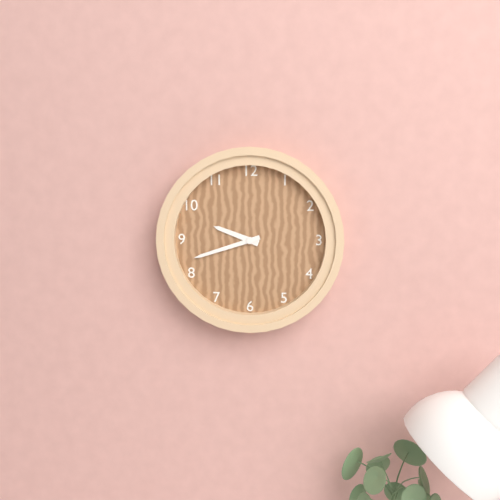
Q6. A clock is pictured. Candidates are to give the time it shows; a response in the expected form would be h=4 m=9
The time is h=9 m=42
